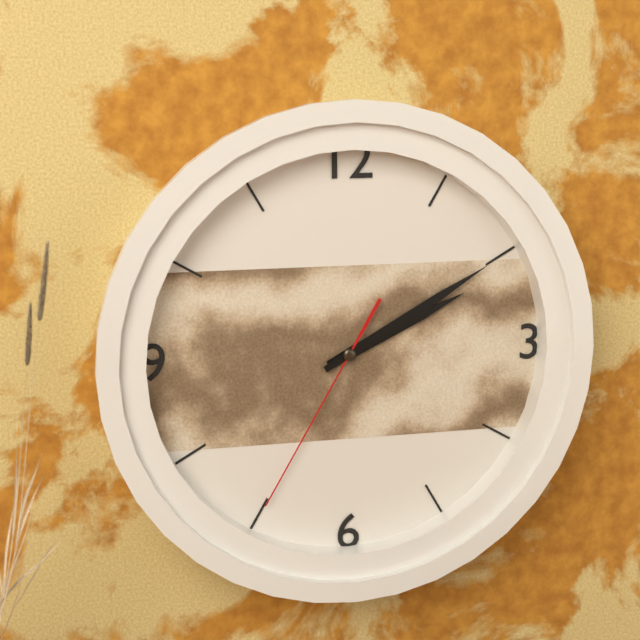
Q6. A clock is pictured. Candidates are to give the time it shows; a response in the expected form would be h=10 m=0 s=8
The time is h=2 m=10 s=35
